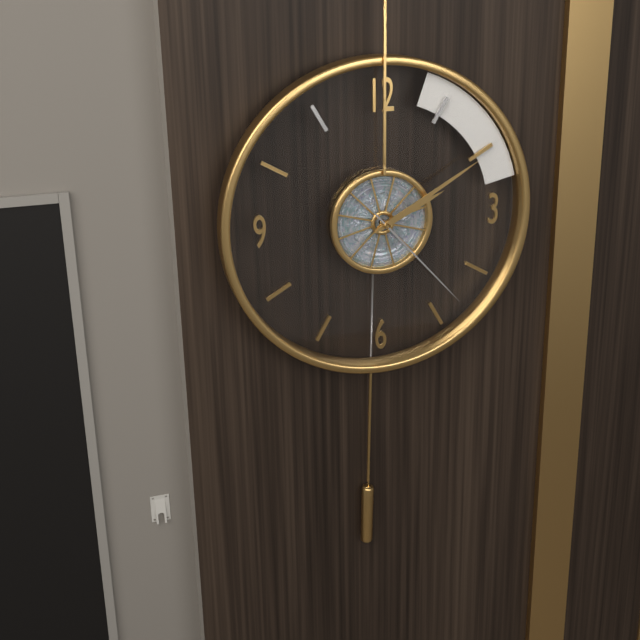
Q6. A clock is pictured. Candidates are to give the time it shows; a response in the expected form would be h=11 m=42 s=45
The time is h=2 m=10 s=23
